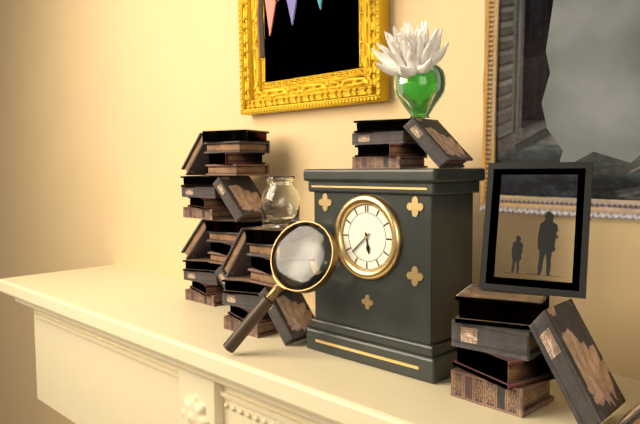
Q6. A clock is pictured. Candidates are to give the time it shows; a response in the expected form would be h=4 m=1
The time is h=5 m=38
